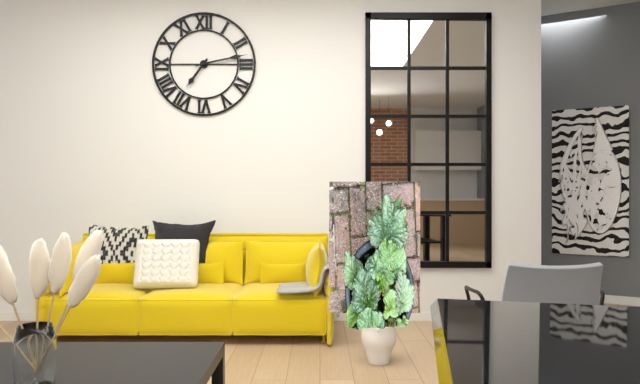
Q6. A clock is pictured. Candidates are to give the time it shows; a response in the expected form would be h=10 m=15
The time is h=7 m=13
